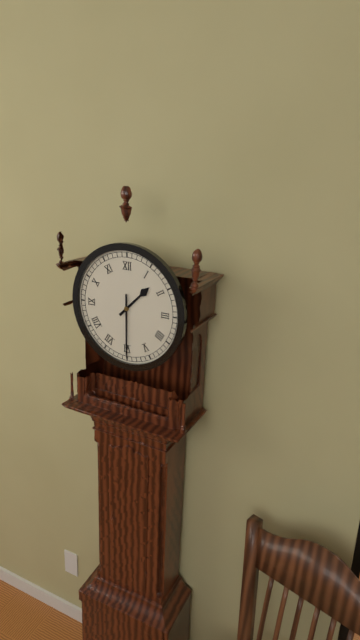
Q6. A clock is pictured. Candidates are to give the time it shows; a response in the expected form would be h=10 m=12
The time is h=1 m=30
